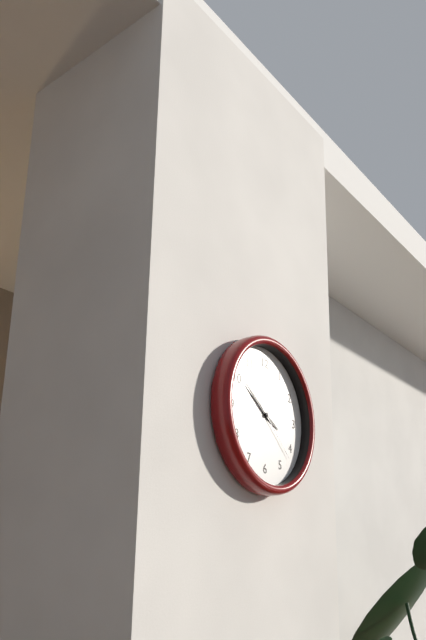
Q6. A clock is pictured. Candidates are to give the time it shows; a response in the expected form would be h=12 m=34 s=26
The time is h=3 m=51 s=22
